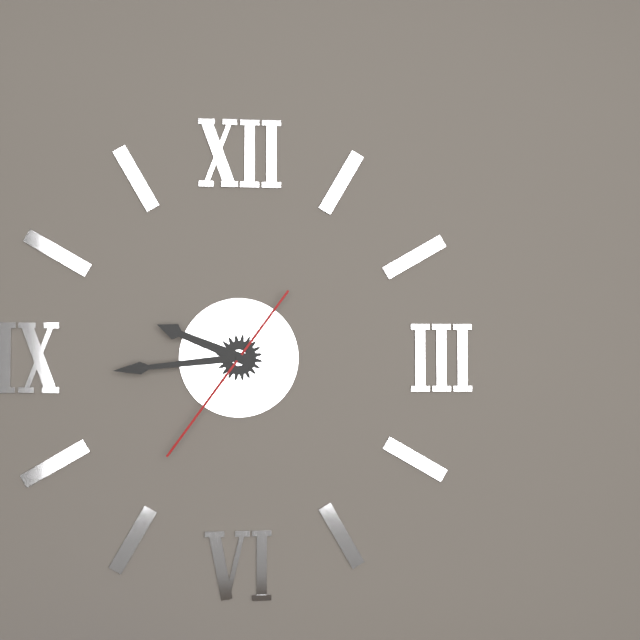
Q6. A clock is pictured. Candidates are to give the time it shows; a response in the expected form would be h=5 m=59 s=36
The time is h=9 m=44 s=36
